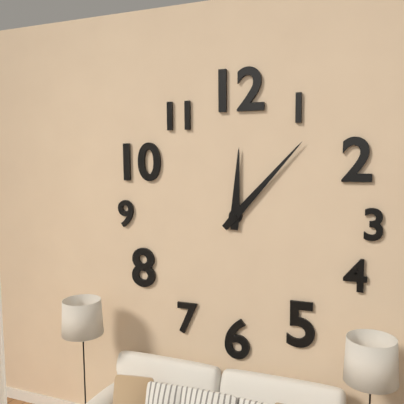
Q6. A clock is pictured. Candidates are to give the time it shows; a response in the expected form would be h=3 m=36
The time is h=12 m=7
